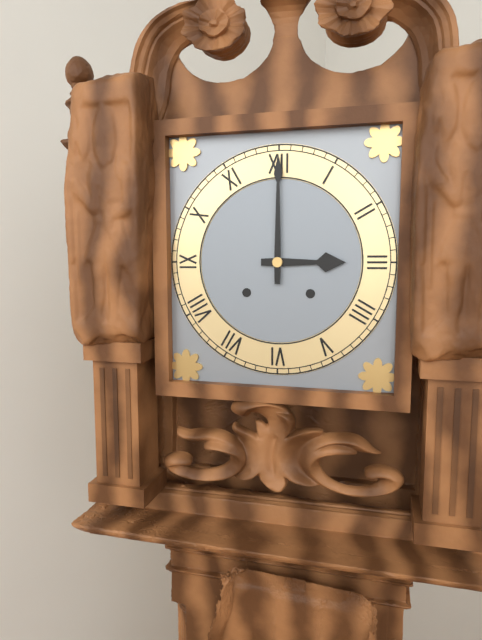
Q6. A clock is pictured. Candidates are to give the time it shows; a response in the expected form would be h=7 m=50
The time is h=3 m=0
